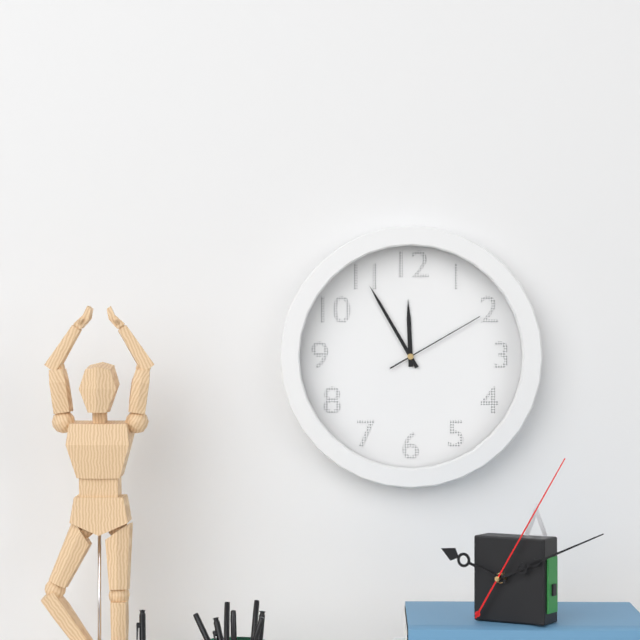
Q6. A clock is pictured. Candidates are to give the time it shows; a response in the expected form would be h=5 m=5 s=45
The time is h=11 m=55 s=10
